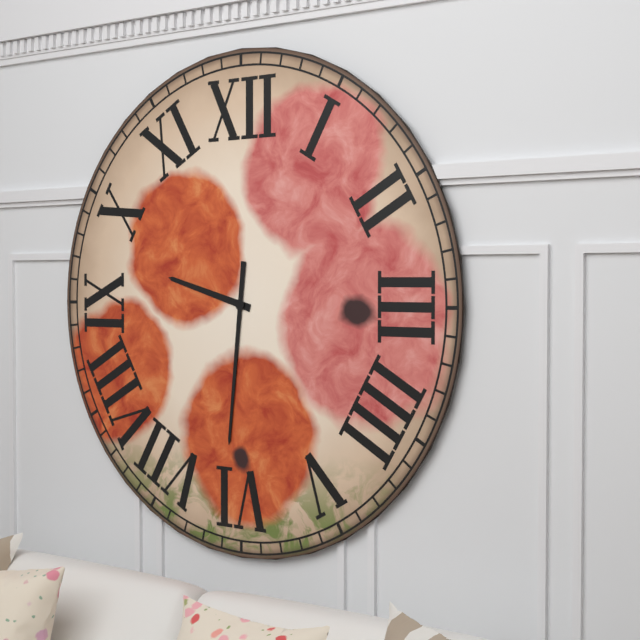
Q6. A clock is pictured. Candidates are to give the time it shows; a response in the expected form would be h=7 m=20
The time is h=9 m=31
